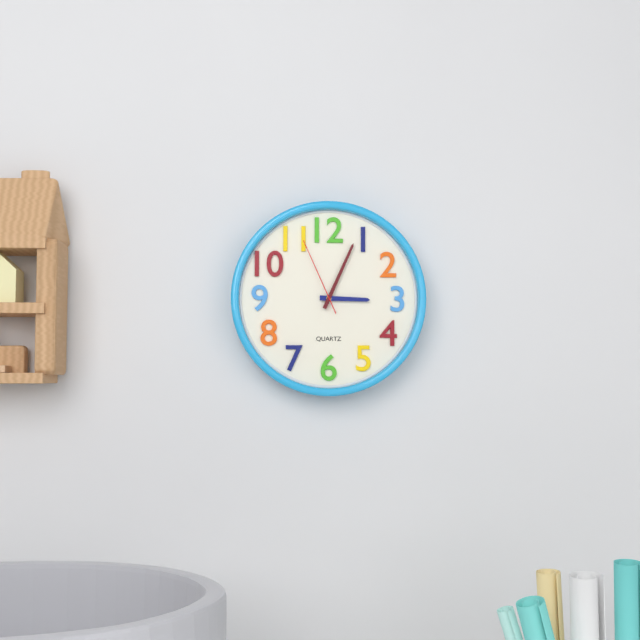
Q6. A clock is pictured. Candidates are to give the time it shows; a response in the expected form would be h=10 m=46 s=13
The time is h=3 m=4 s=56
